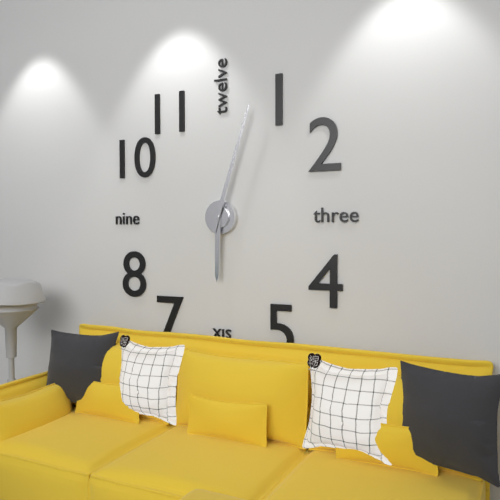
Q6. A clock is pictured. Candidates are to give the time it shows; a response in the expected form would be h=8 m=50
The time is h=6 m=3
